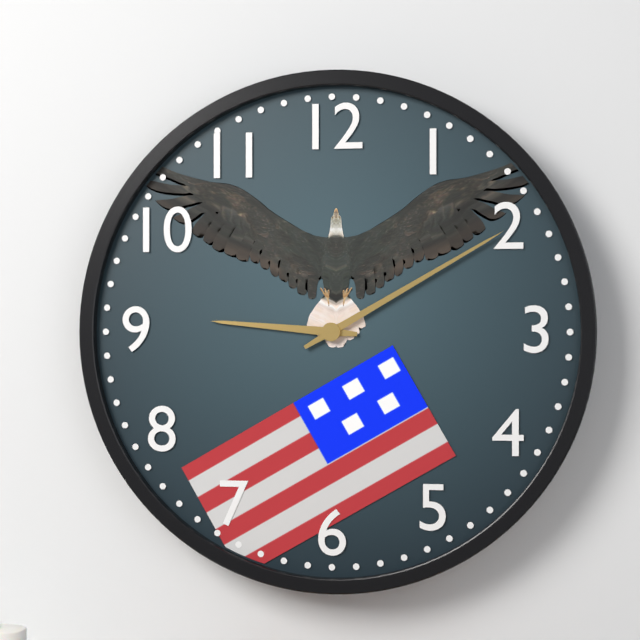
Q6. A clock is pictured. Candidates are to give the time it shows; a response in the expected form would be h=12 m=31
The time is h=9 m=10
